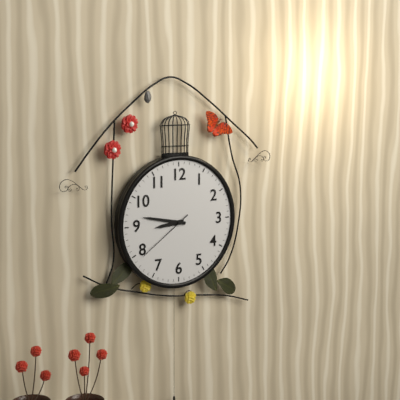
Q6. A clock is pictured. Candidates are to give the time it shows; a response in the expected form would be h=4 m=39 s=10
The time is h=8 m=47 s=39
